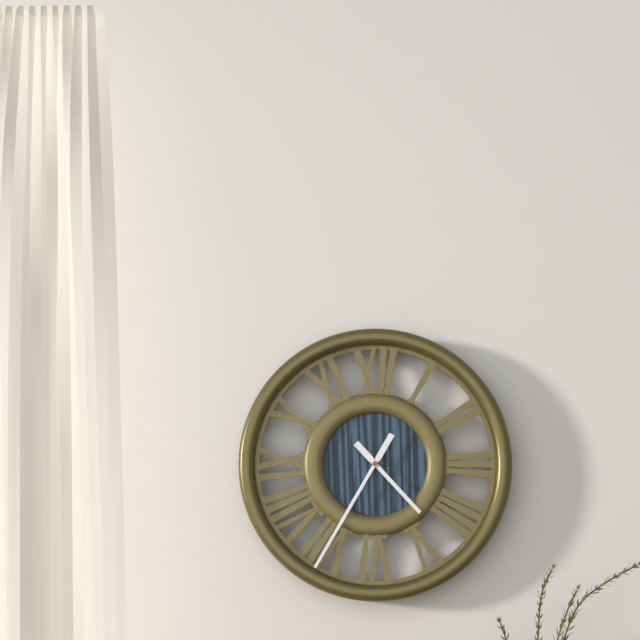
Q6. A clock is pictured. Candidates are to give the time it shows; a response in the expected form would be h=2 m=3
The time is h=4 m=35
